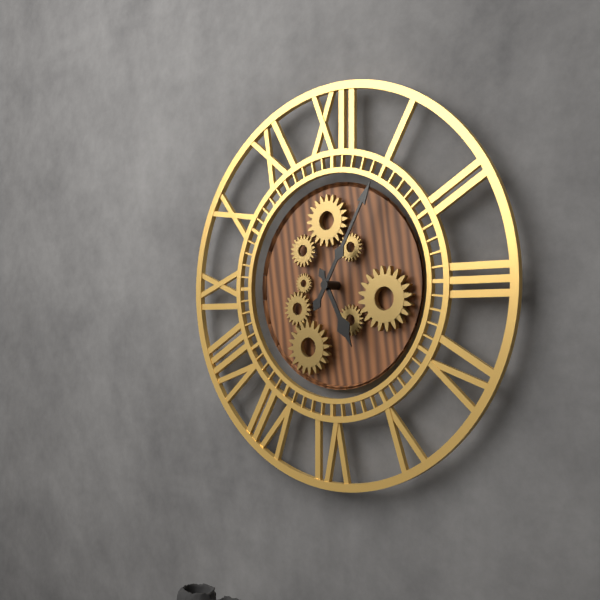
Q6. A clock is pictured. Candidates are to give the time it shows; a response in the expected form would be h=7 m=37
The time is h=5 m=5
